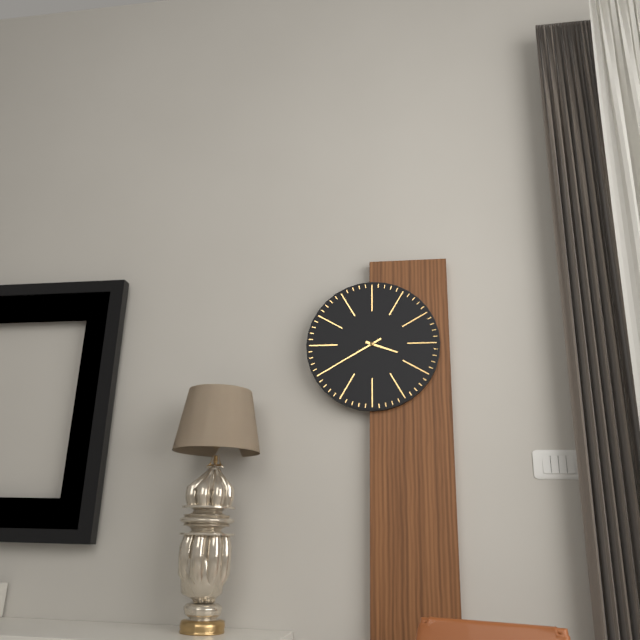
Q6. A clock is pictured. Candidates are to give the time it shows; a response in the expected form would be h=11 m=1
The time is h=3 m=40
